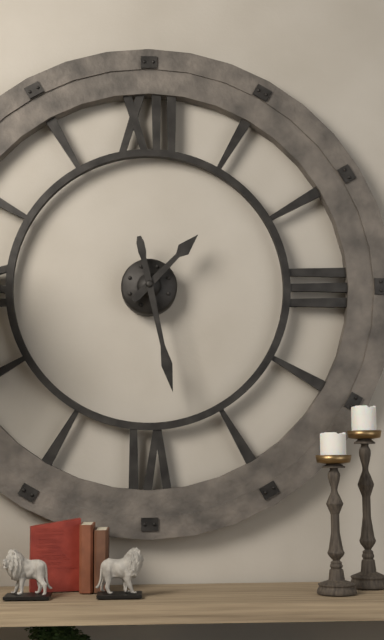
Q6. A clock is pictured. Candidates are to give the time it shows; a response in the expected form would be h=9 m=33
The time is h=1 m=28
